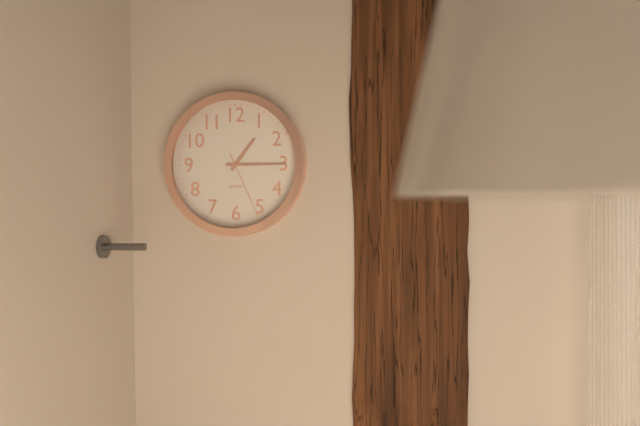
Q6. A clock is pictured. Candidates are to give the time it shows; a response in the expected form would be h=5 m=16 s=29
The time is h=1 m=15 s=26
